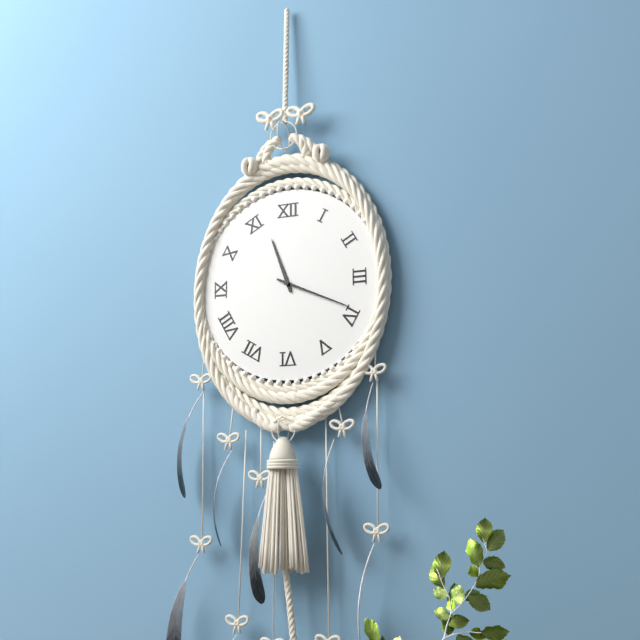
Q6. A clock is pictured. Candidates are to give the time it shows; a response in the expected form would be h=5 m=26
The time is h=11 m=19
